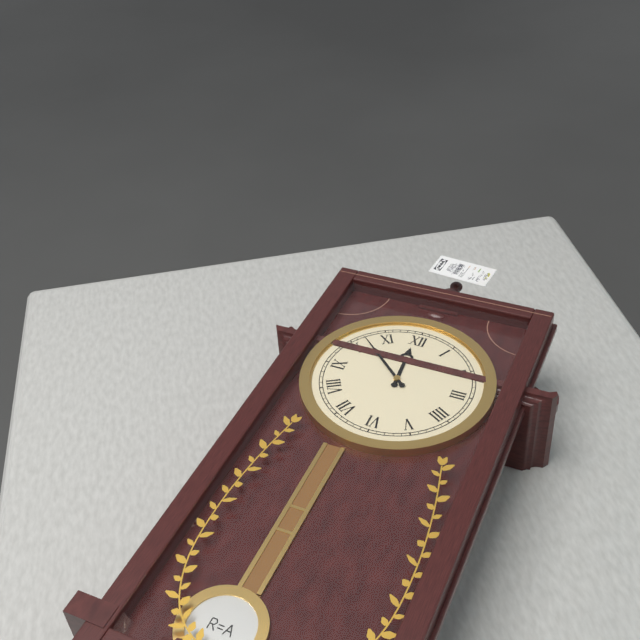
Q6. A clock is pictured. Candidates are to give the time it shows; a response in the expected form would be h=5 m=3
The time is h=11 m=52
